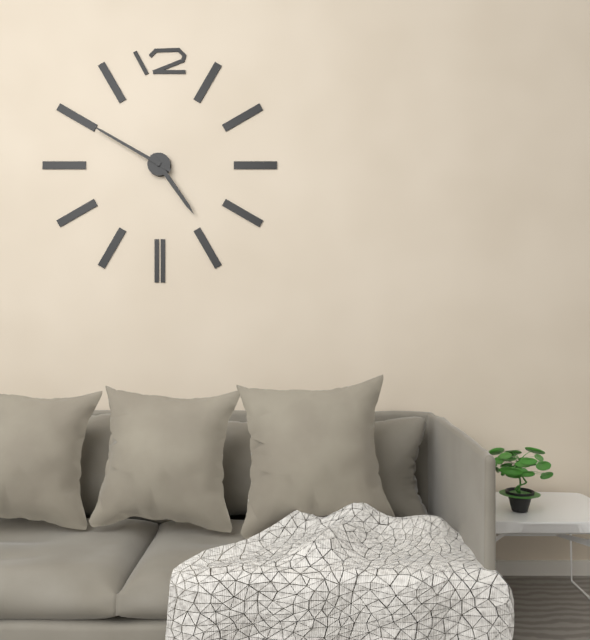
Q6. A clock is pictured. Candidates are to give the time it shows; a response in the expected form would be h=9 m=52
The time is h=4 m=50
